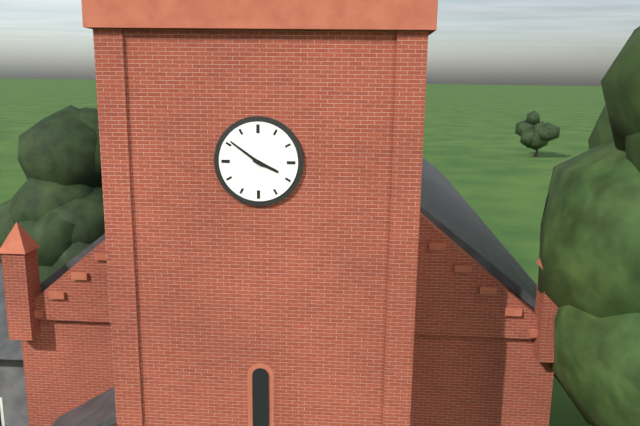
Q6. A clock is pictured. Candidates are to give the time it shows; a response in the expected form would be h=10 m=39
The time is h=3 m=51
